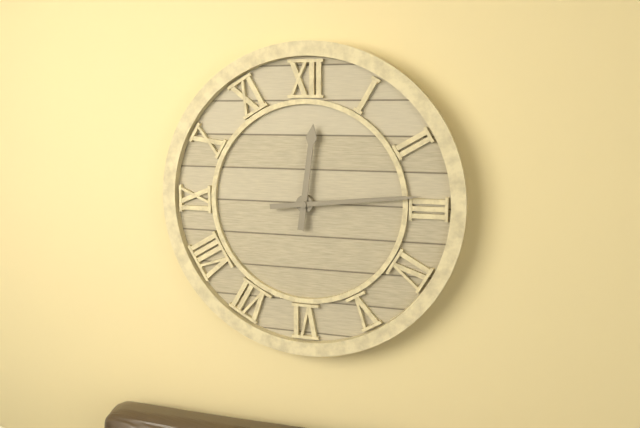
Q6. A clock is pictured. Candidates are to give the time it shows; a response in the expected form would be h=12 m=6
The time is h=12 m=14
